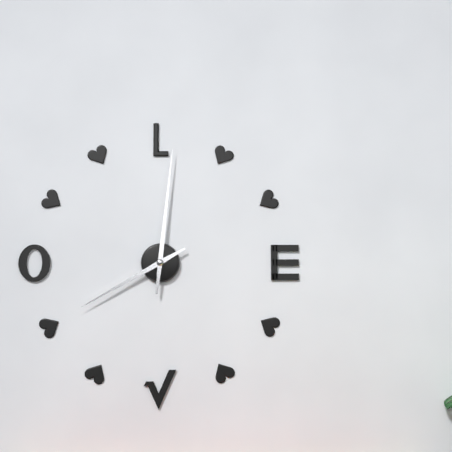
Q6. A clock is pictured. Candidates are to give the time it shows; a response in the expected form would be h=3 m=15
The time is h=8 m=1
